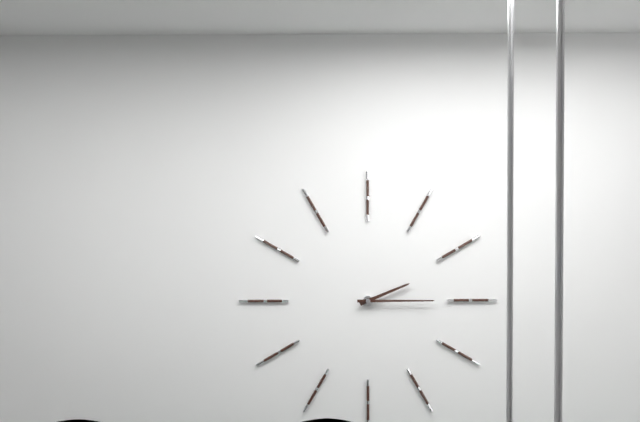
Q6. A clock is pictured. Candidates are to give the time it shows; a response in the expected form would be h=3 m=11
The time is h=2 m=15
